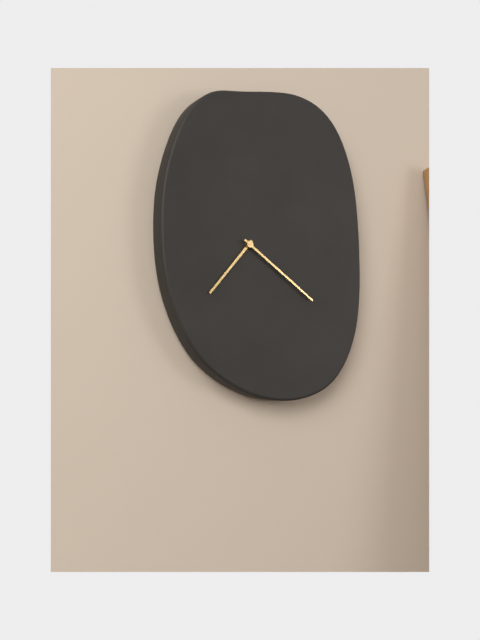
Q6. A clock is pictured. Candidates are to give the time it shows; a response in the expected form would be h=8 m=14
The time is h=7 m=21
